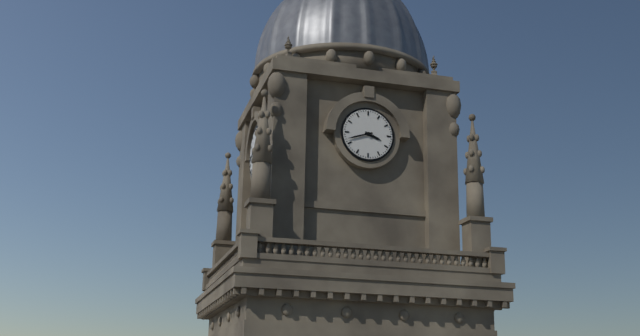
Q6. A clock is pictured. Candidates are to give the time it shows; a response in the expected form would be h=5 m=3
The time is h=3 m=42
